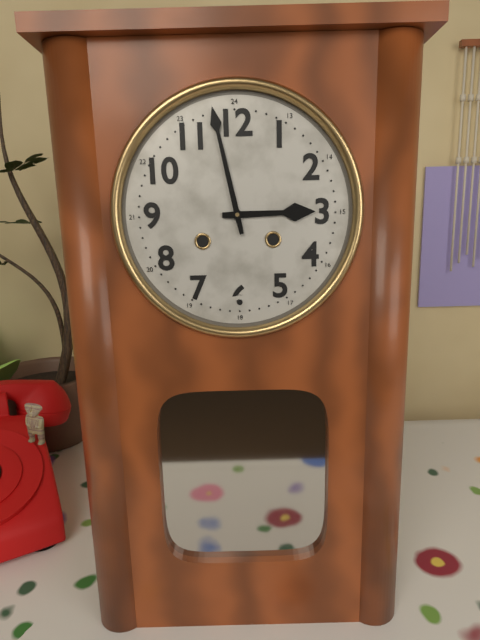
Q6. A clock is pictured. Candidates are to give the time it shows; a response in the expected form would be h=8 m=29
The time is h=2 m=58
